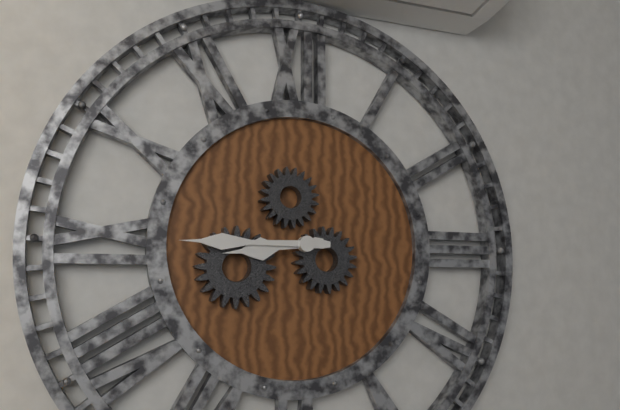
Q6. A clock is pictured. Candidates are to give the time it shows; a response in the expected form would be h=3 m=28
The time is h=8 m=45
